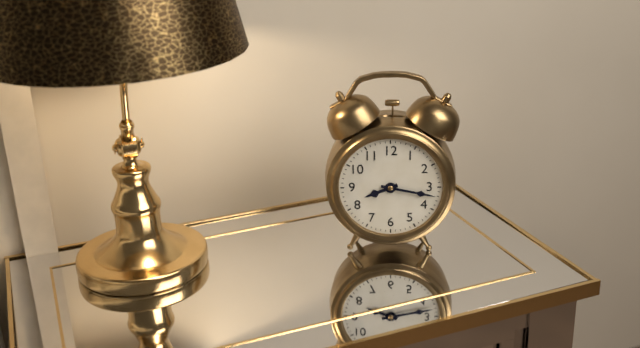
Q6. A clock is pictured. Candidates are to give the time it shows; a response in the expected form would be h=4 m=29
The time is h=8 m=17
